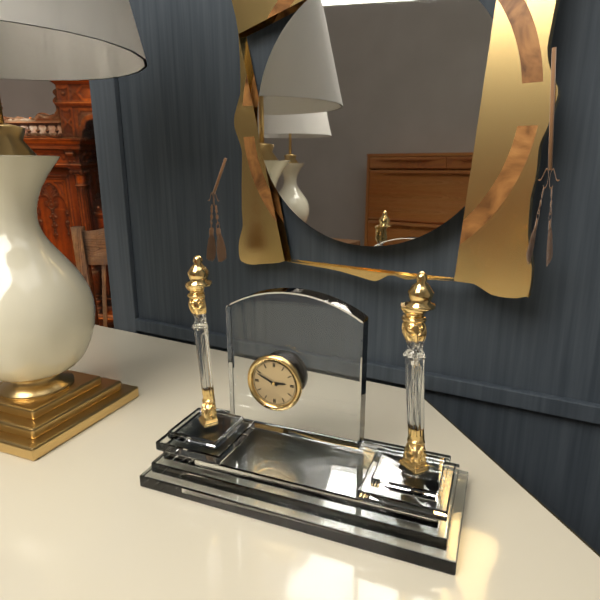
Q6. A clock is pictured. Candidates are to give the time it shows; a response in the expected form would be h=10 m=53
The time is h=2 m=49
